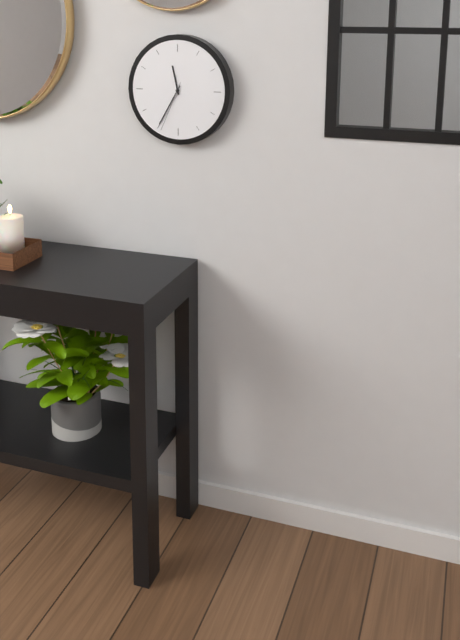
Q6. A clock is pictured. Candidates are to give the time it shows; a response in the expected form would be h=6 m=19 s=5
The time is h=11 m=35 s=34
